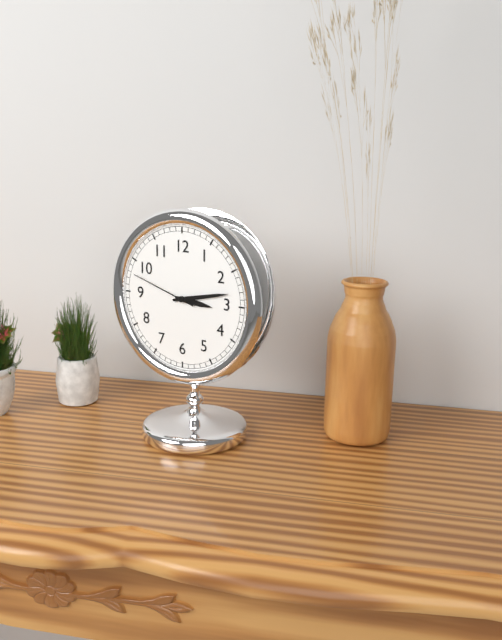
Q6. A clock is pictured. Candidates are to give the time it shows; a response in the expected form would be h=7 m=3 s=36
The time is h=3 m=13 s=48
